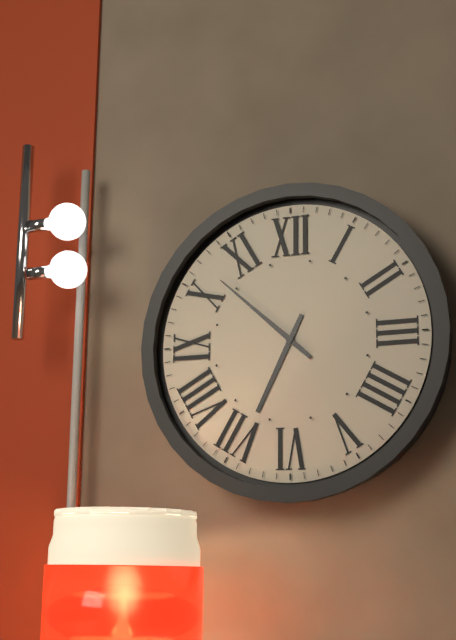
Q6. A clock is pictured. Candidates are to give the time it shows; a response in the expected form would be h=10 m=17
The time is h=6 m=52
